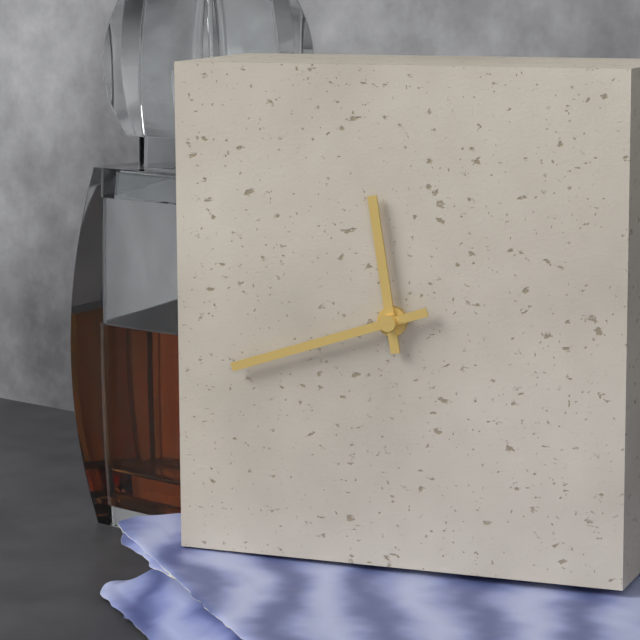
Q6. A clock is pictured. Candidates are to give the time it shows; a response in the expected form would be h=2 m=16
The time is h=11 m=42
